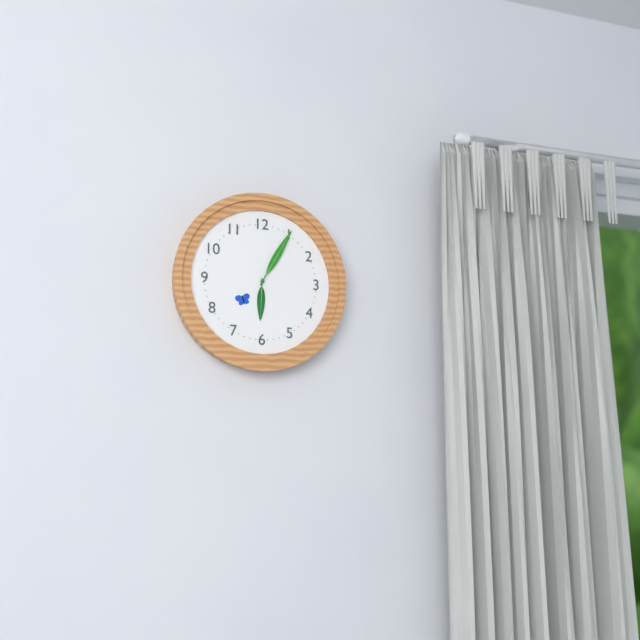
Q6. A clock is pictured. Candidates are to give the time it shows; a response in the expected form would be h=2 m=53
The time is h=6 m=5
